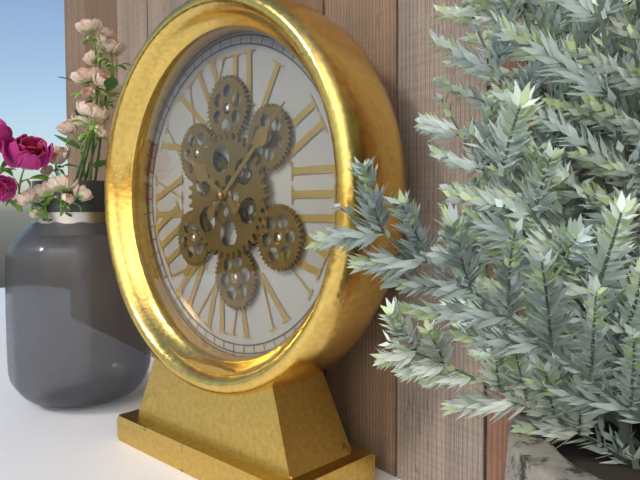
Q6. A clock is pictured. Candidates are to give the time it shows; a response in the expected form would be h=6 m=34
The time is h=10 m=8
